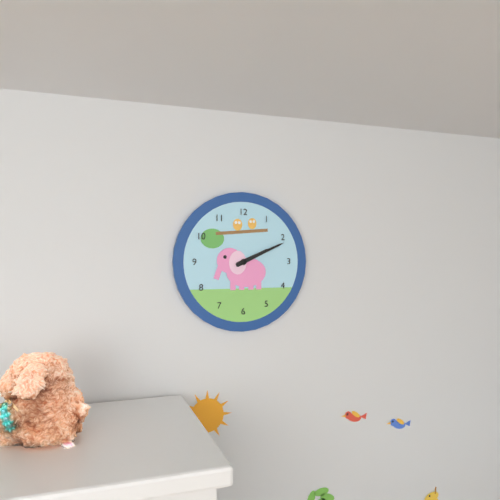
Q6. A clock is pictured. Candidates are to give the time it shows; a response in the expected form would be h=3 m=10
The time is h=2 m=11
